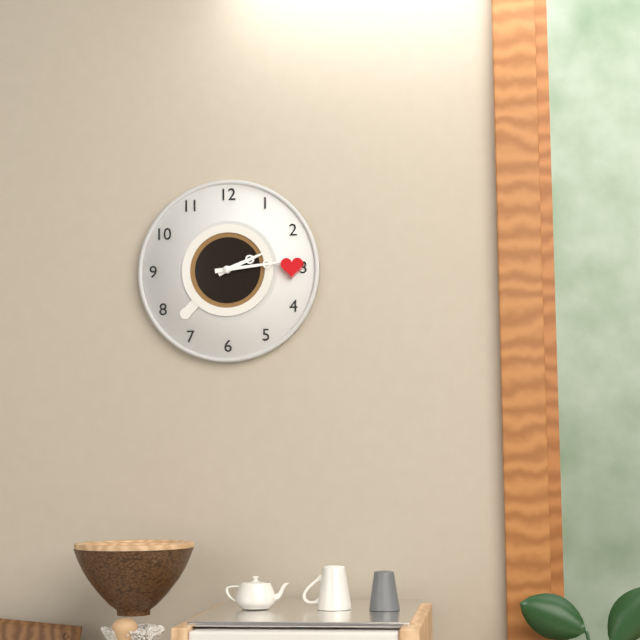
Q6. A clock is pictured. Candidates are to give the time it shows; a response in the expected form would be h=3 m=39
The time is h=2 m=14
